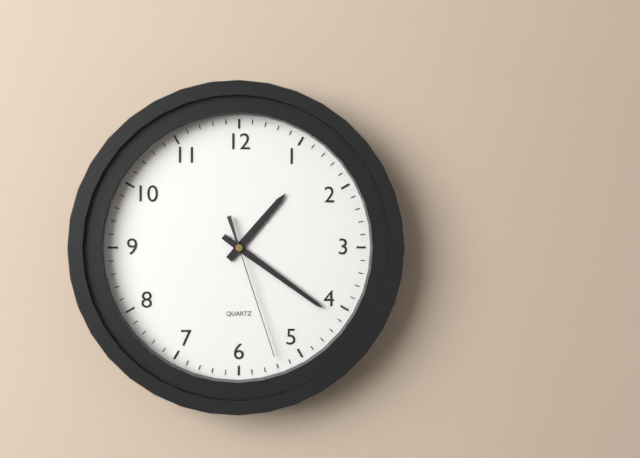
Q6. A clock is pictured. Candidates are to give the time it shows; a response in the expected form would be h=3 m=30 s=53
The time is h=1 m=21 s=27
